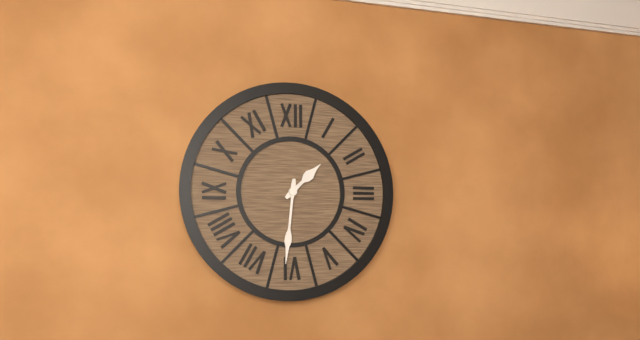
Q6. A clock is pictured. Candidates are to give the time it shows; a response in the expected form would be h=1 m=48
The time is h=1 m=31
